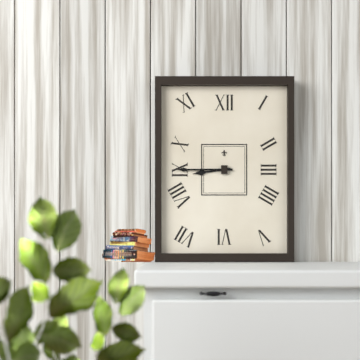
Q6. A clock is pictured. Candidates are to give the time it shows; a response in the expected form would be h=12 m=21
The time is h=8 m=45
